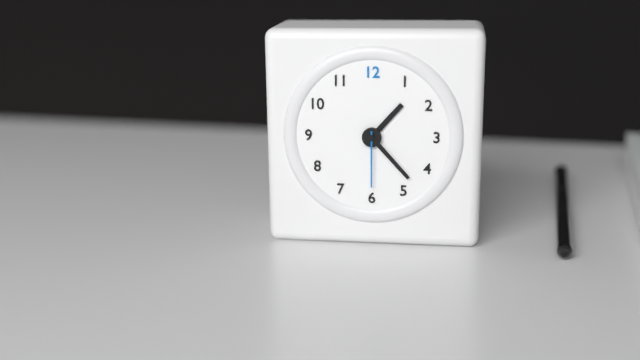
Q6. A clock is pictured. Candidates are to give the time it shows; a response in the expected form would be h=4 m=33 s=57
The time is h=1 m=23 s=30
